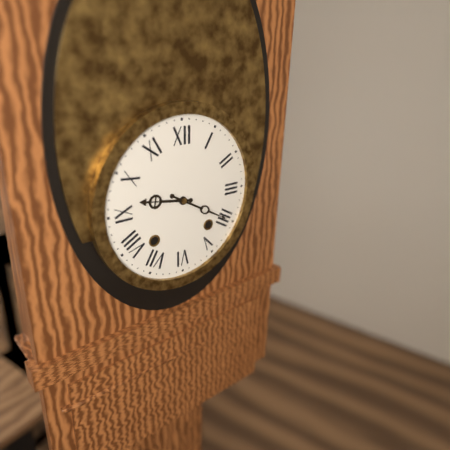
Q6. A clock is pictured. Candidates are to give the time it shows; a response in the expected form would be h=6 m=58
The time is h=9 m=20
